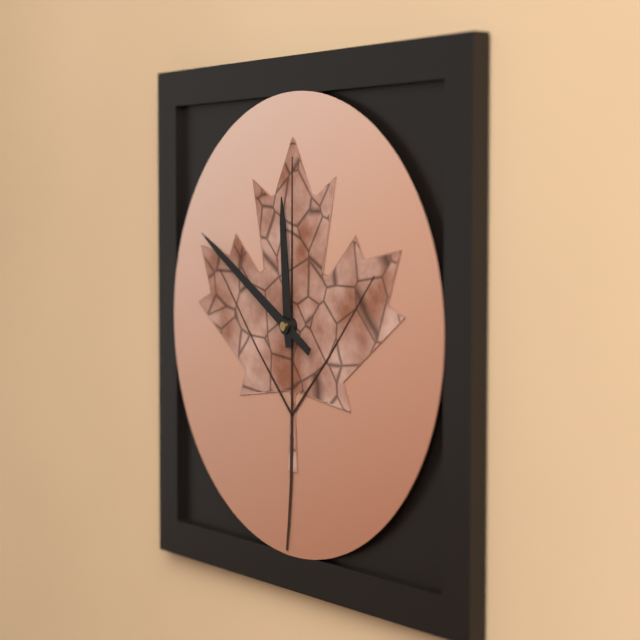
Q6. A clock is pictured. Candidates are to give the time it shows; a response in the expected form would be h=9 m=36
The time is h=11 m=50
